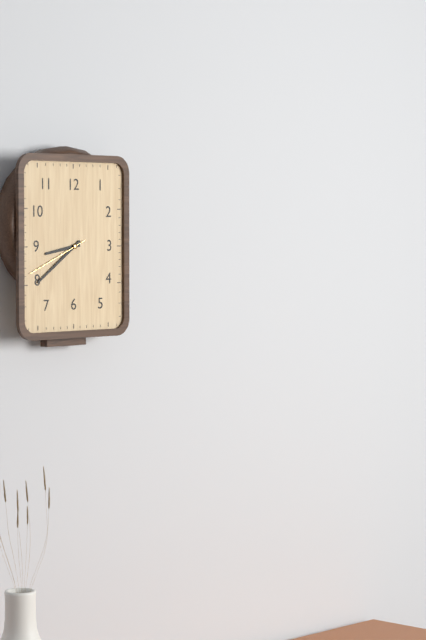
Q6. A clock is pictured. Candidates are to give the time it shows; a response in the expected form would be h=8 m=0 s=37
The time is h=8 m=39 s=41
